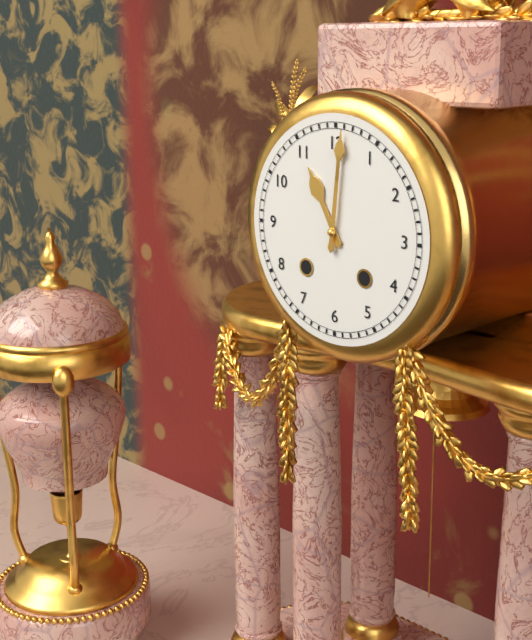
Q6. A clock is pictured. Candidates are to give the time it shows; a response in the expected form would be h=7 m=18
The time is h=11 m=1
